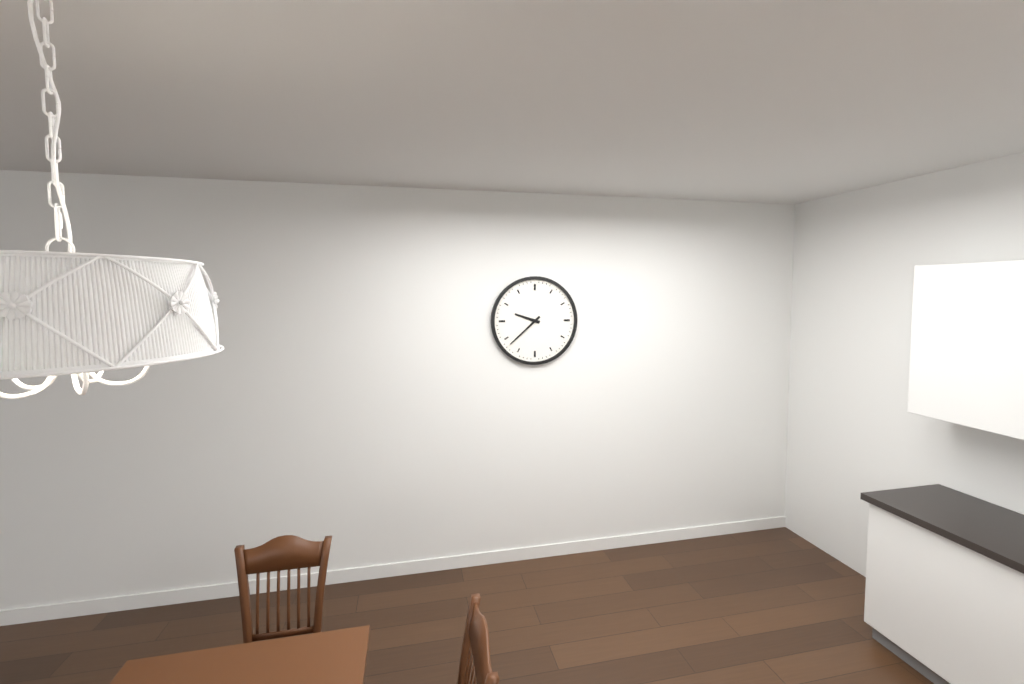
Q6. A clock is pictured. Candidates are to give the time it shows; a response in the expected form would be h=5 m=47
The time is h=9 m=38
